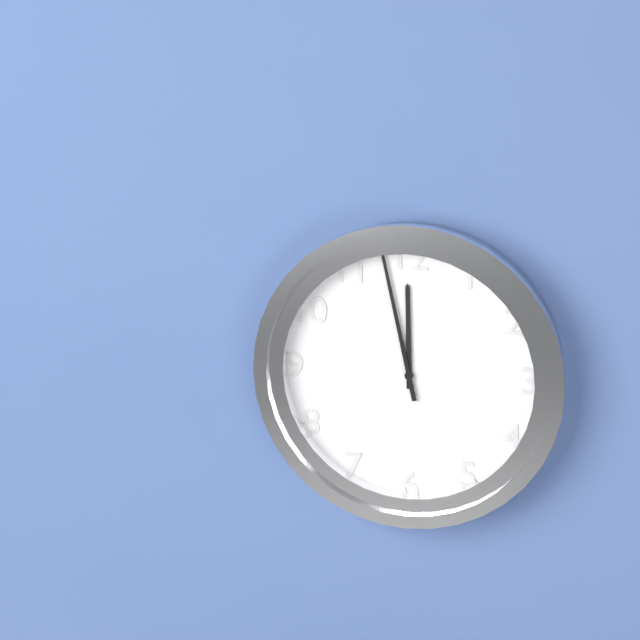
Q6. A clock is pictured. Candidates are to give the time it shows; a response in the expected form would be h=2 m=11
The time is h=11 m=58
